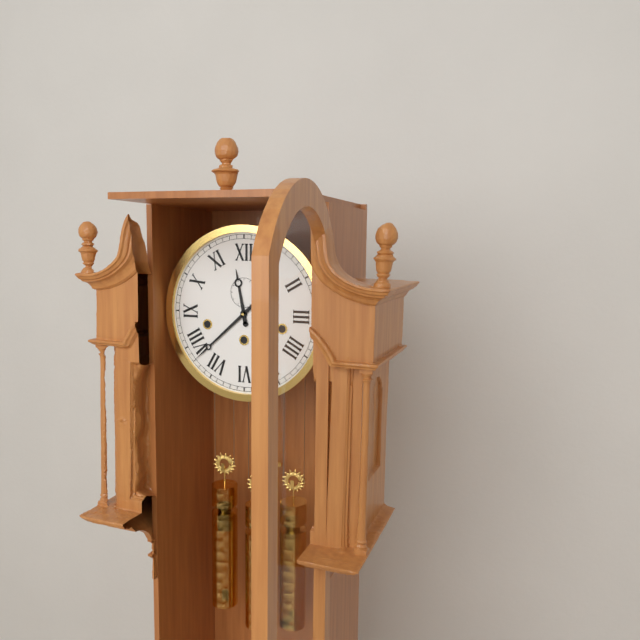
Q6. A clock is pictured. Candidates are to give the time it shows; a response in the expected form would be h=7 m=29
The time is h=11 m=38
